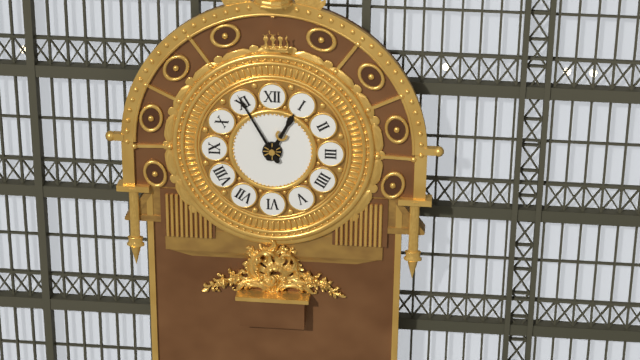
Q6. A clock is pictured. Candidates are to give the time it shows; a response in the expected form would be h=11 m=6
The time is h=12 m=55
